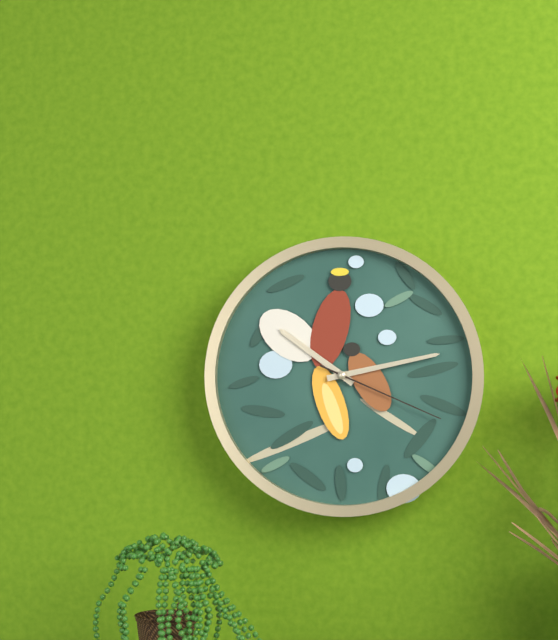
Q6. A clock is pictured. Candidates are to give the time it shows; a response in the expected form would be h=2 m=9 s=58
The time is h=10 m=13 s=19
